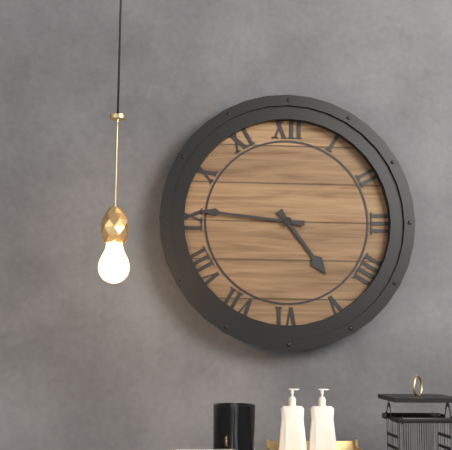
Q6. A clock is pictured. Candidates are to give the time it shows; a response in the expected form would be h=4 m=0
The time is h=4 m=46
